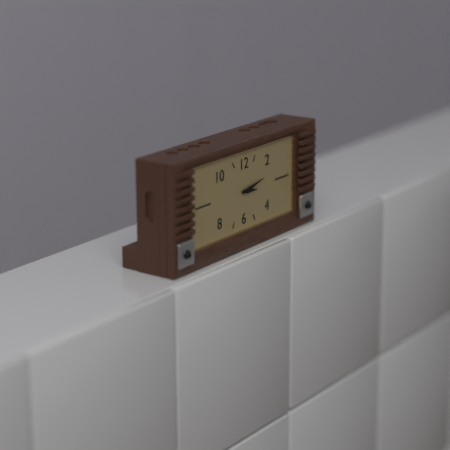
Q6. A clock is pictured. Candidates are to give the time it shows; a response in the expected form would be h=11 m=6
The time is h=3 m=13
